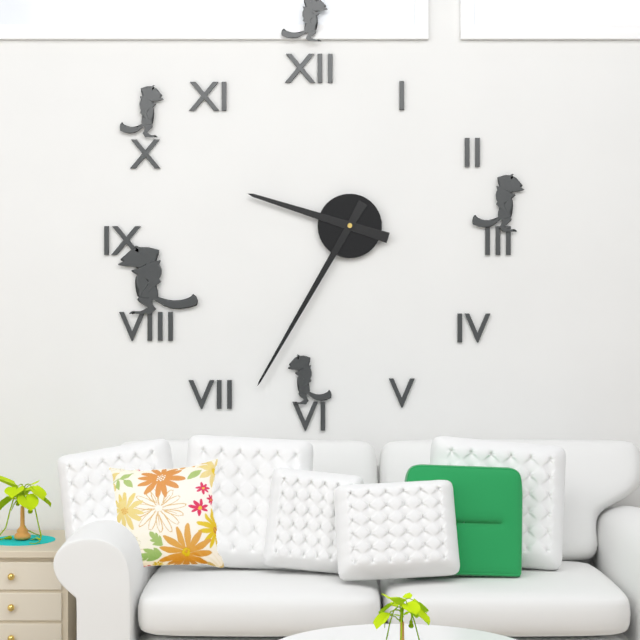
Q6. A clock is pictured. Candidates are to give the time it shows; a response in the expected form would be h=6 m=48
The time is h=9 m=35
